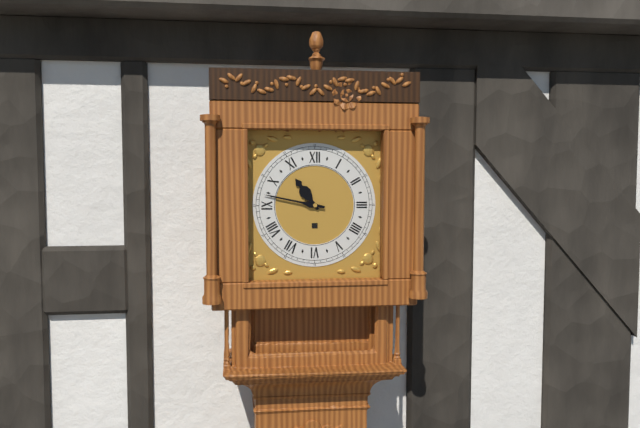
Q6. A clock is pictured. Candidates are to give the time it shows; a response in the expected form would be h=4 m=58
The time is h=10 m=47
